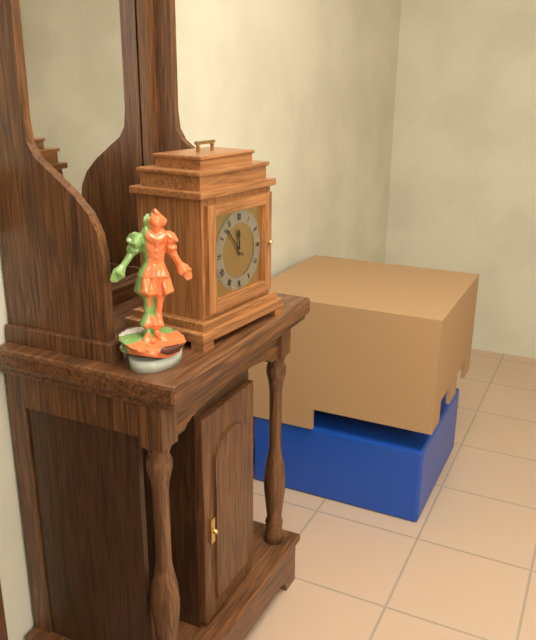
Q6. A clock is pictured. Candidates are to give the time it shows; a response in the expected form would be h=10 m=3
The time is h=11 m=53
